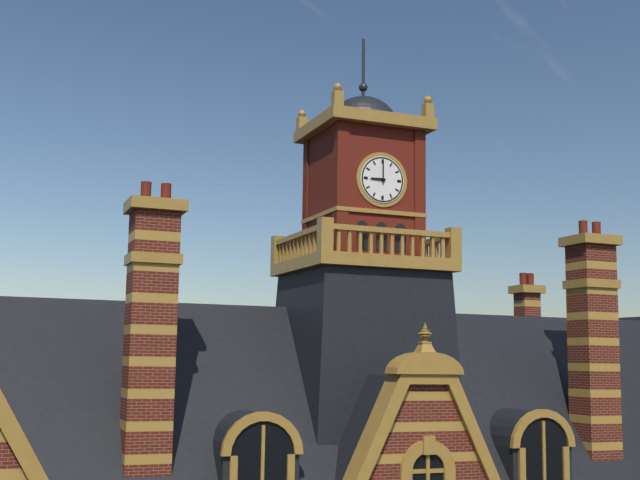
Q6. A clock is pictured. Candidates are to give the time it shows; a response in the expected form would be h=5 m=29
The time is h=9 m=0
